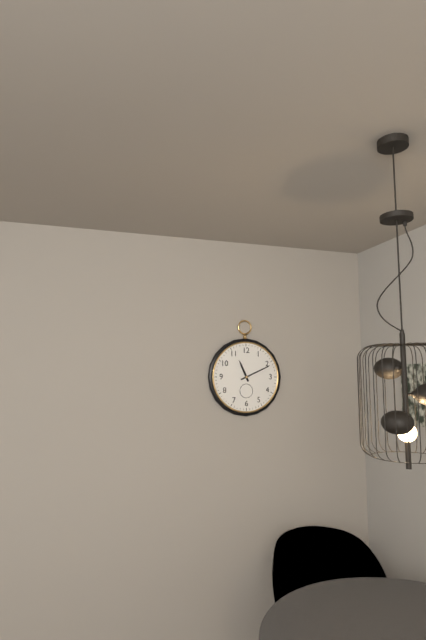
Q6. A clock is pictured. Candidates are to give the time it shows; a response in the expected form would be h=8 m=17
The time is h=11 m=11
